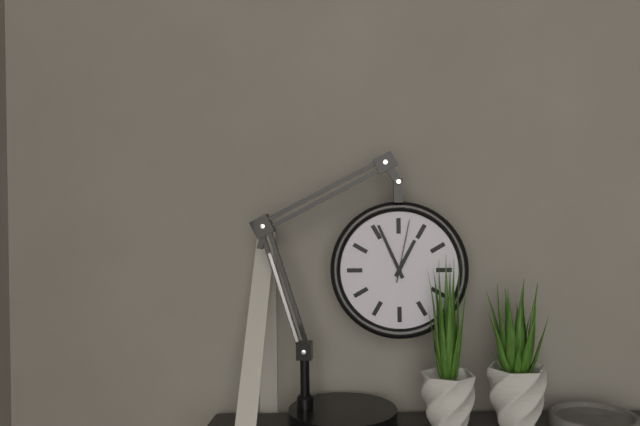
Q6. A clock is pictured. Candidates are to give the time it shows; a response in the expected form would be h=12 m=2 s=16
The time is h=12 m=56 s=2
